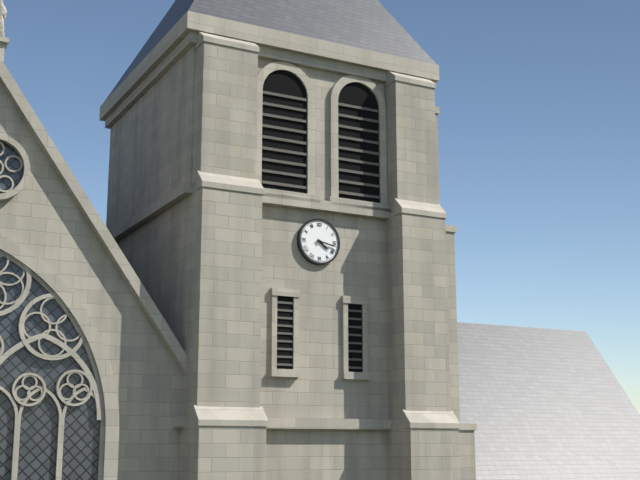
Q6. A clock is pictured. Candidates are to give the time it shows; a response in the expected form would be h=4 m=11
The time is h=4 m=17
